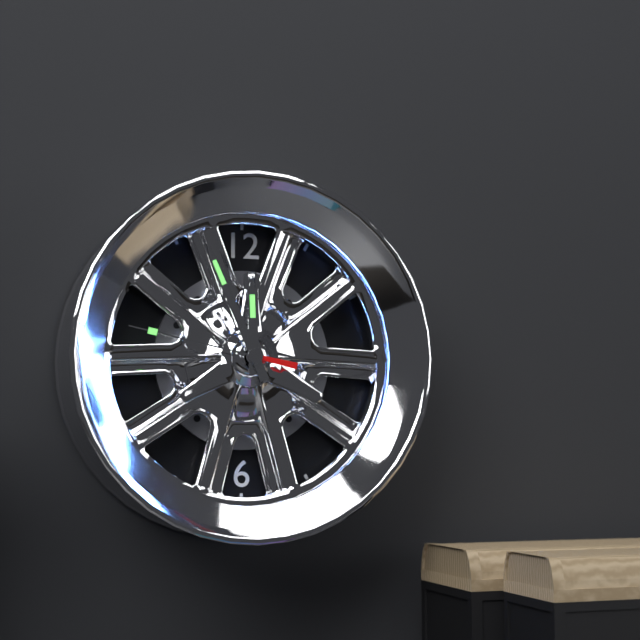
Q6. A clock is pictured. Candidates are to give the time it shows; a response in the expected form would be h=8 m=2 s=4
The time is h=11 m=56 s=47
